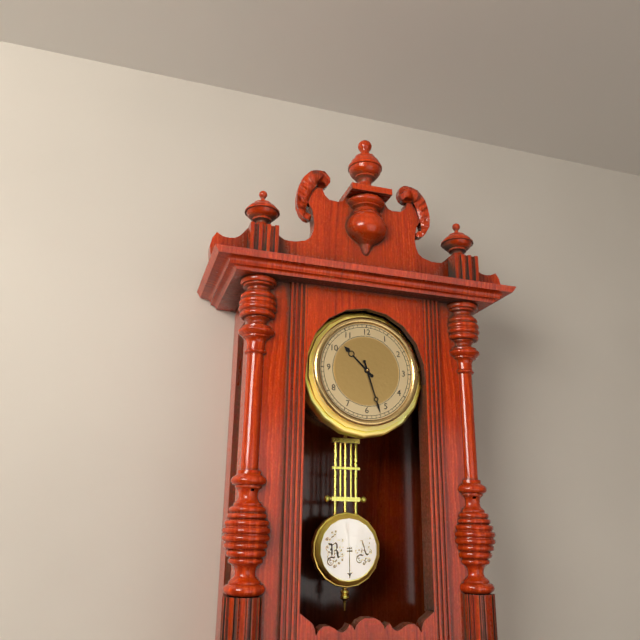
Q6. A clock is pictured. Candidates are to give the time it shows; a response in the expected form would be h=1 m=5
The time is h=10 m=27
